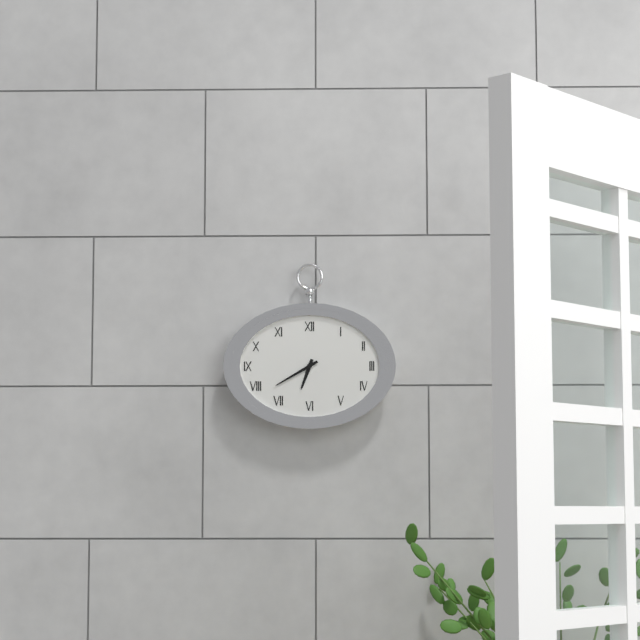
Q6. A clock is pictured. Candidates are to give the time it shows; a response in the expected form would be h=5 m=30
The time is h=6 m=40
